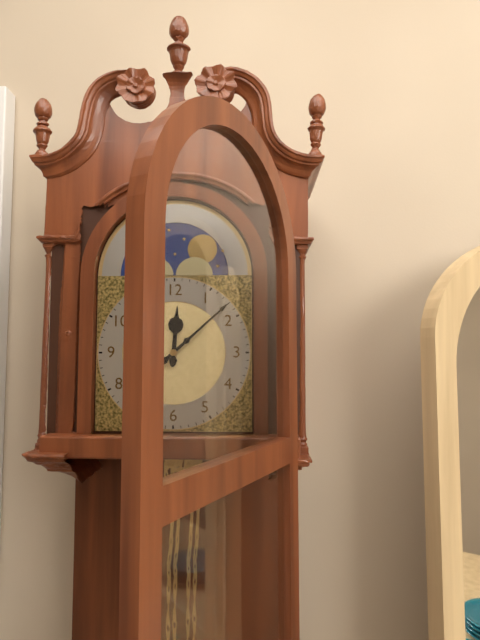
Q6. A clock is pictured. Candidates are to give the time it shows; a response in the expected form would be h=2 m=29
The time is h=12 m=8
